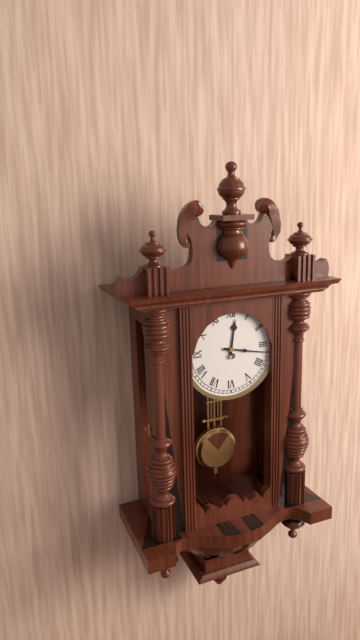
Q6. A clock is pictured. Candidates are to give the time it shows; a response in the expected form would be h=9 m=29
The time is h=12 m=17
